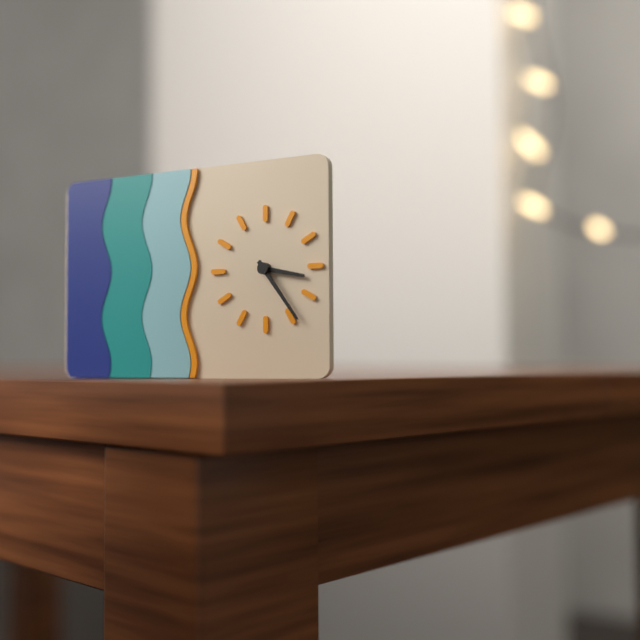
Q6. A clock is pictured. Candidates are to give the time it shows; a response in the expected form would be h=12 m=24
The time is h=3 m=24
